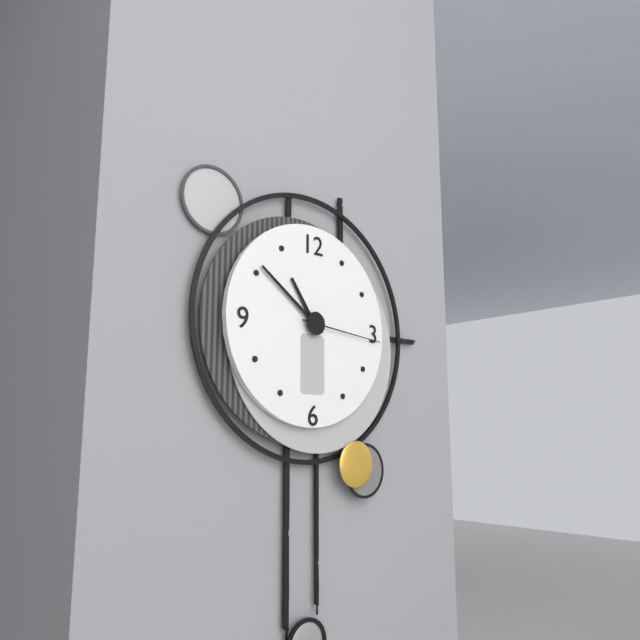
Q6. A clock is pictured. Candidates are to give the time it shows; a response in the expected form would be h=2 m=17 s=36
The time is h=10 m=51 s=16
